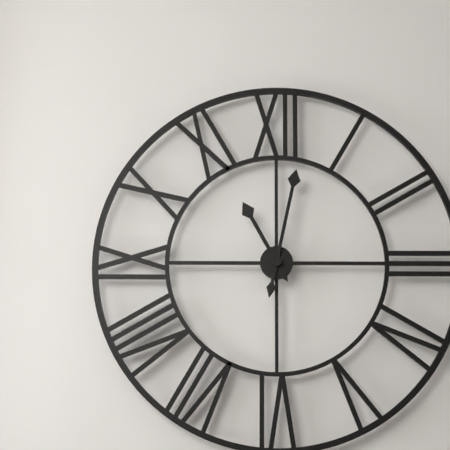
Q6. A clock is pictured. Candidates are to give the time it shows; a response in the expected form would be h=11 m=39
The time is h=11 m=2
